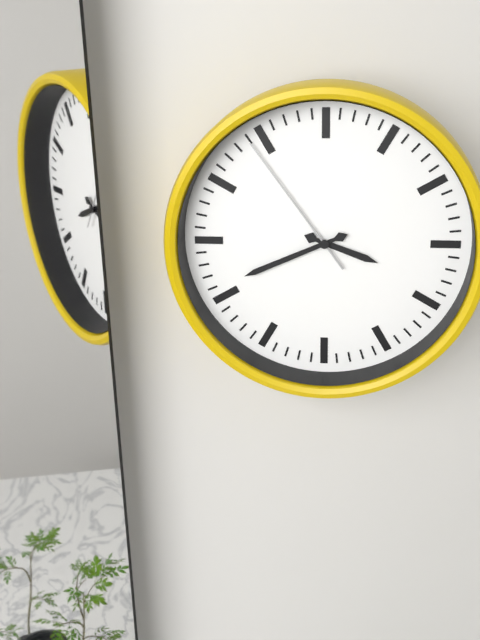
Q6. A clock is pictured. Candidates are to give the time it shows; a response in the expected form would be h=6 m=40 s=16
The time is h=3 m=41 s=54
